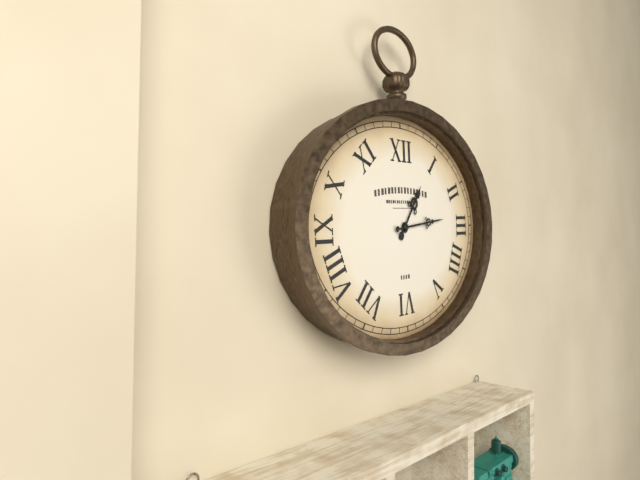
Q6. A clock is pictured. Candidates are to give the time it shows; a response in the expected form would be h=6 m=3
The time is h=1 m=14
